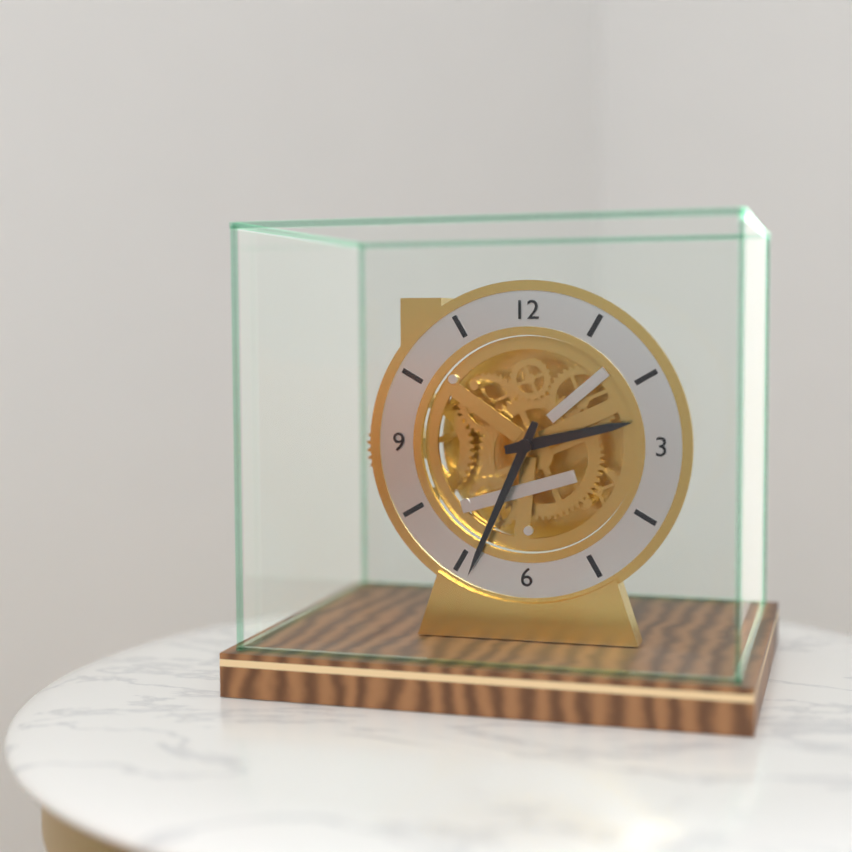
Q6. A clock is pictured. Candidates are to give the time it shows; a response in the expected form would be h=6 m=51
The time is h=2 m=34
